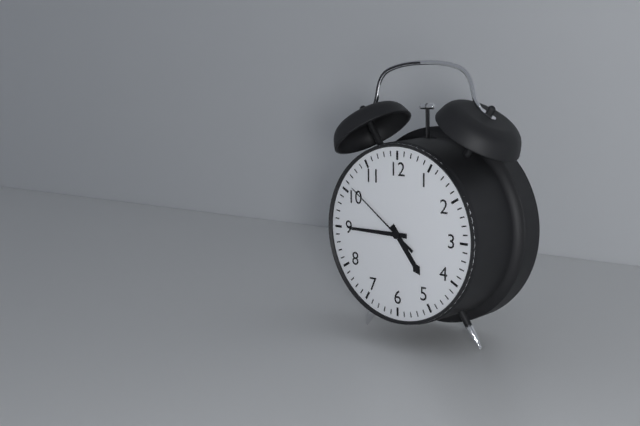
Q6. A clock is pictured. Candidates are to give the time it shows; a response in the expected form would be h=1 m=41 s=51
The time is h=4 m=45 s=51
